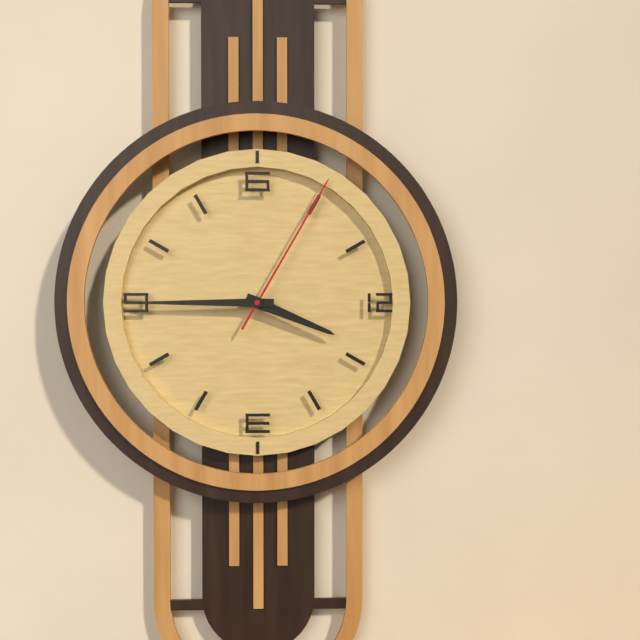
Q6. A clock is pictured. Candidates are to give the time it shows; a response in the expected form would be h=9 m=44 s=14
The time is h=3 m=45 s=5
